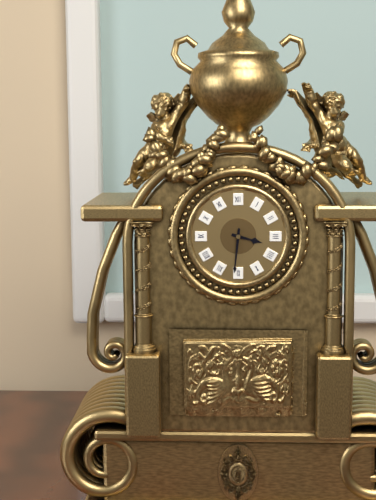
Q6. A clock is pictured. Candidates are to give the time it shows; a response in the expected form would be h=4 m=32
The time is h=3 m=31
